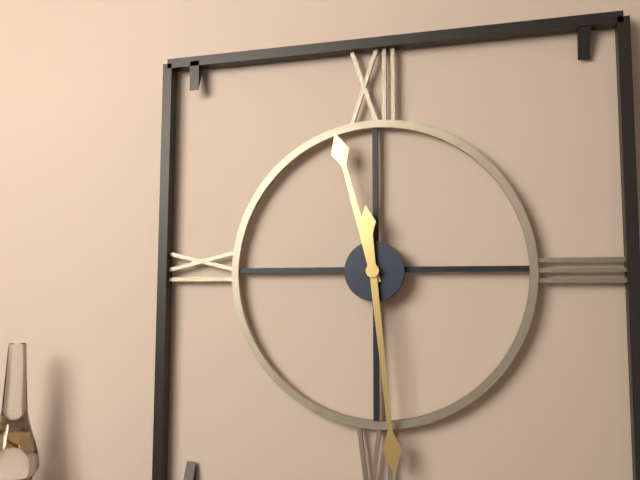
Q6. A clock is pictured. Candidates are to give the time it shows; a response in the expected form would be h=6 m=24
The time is h=11 m=29
